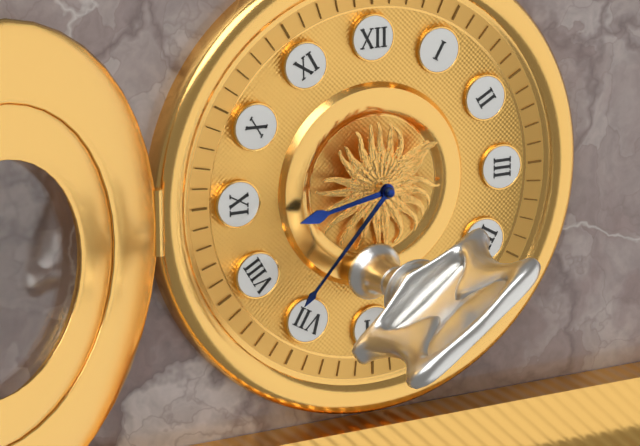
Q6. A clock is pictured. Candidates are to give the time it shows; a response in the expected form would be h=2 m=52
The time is h=8 m=37
